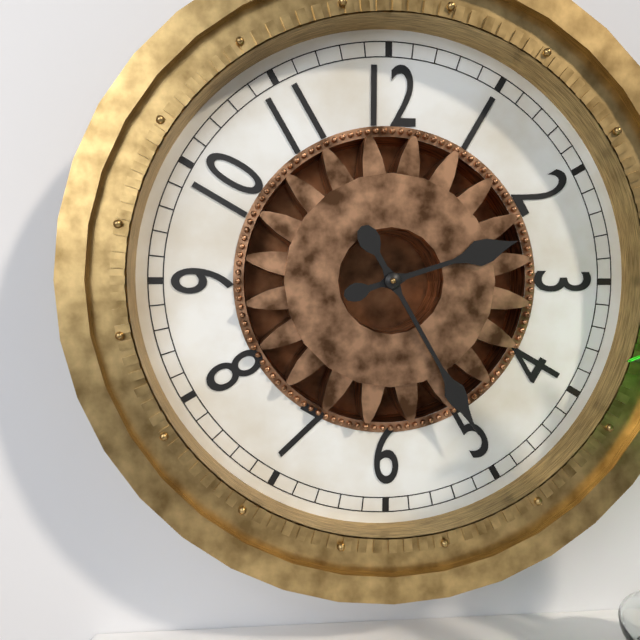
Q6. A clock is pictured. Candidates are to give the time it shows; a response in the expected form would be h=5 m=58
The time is h=2 m=25
